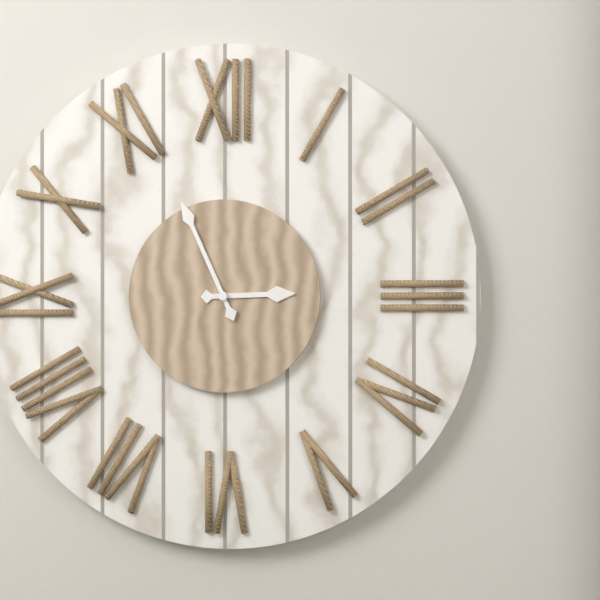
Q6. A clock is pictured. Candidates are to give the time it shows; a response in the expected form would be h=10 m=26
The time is h=2 m=56
